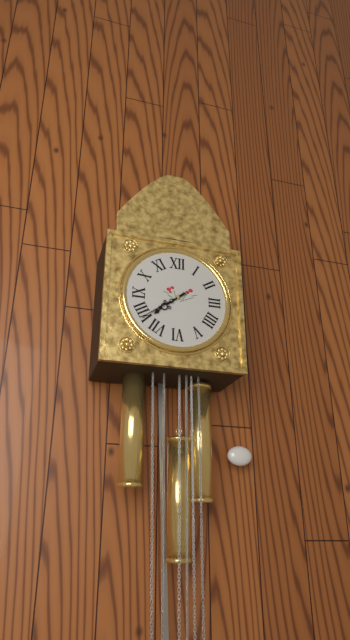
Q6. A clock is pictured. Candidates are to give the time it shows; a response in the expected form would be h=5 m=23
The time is h=7 m=39
